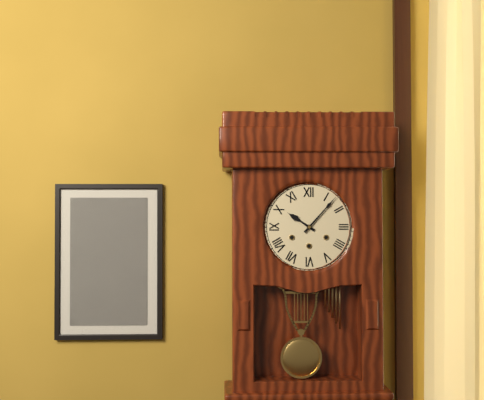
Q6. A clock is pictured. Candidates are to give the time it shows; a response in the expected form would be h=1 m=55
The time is h=10 m=7
